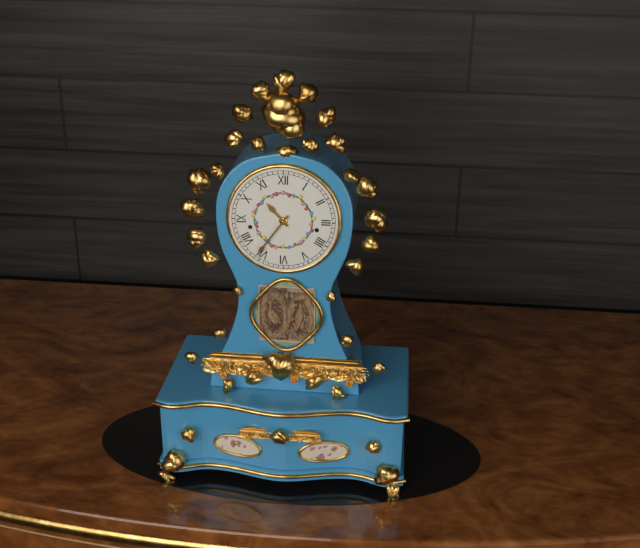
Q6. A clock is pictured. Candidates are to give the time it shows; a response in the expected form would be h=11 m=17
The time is h=10 m=36
